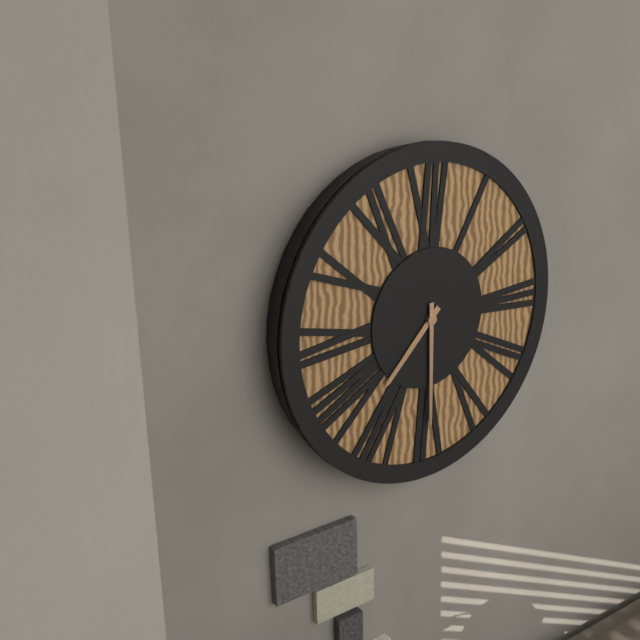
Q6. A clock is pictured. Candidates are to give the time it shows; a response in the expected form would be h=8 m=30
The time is h=7 m=30
